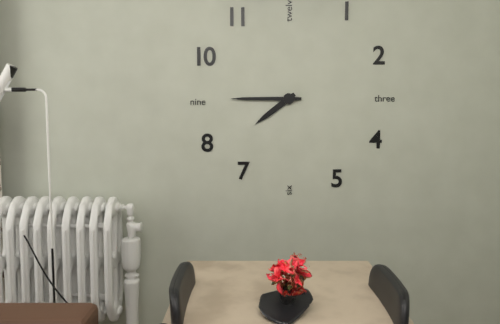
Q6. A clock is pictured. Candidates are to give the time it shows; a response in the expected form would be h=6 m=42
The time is h=7 m=45
